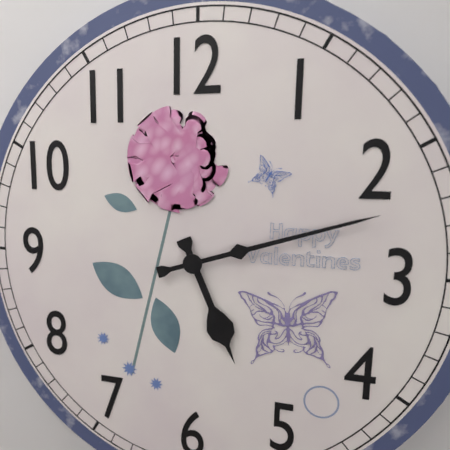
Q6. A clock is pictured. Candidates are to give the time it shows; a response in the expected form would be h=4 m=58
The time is h=5 m=12
